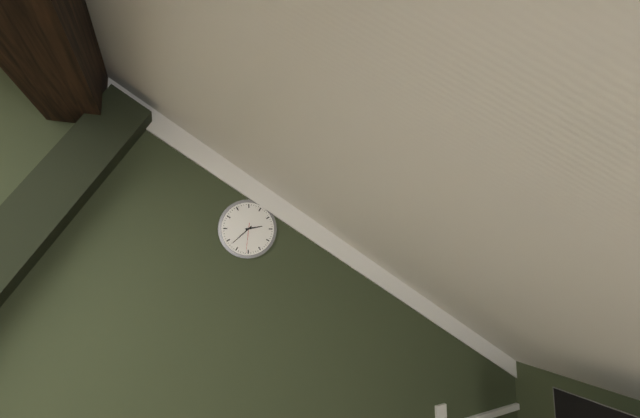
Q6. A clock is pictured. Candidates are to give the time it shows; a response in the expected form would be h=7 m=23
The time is h=2 m=38
